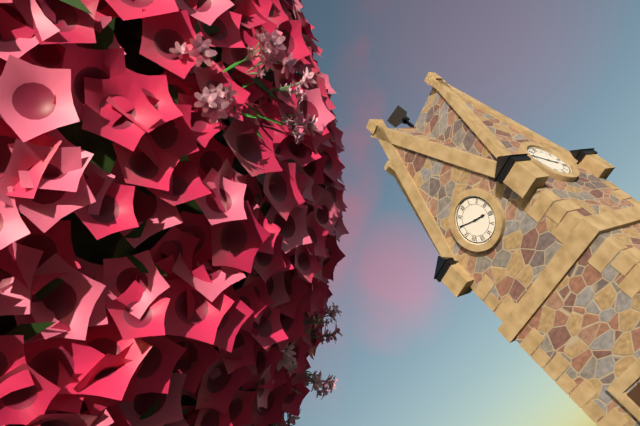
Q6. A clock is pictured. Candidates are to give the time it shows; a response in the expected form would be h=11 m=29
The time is h=3 m=50
